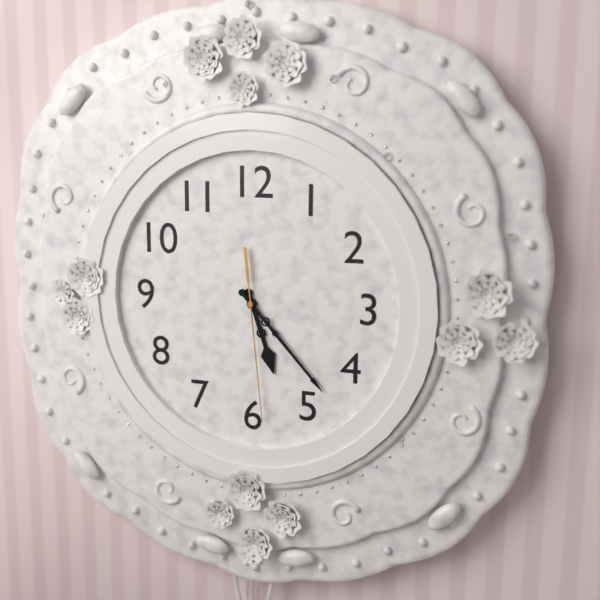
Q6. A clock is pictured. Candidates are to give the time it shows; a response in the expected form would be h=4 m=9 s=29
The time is h=5 m=23 s=29
